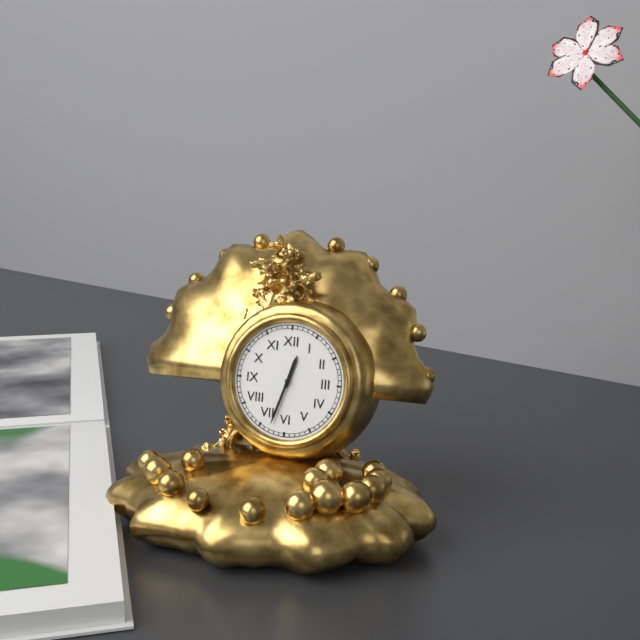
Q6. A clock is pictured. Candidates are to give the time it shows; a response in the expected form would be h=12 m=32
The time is h=12 m=33
